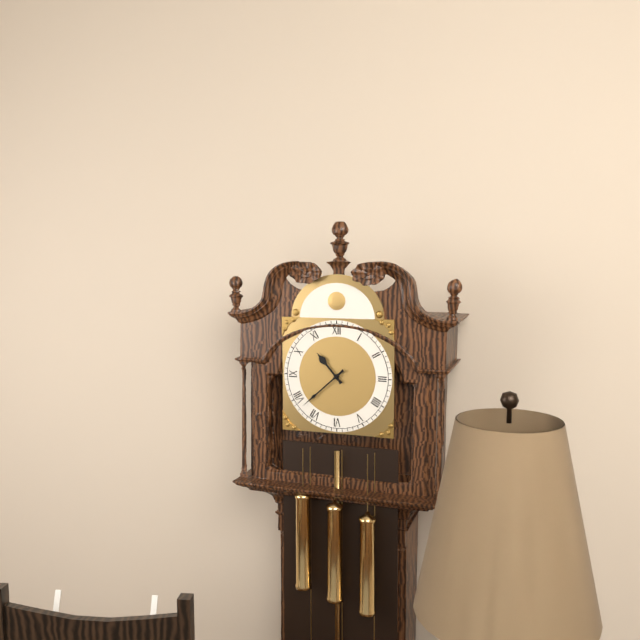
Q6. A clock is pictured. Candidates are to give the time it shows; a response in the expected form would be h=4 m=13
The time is h=10 m=38
